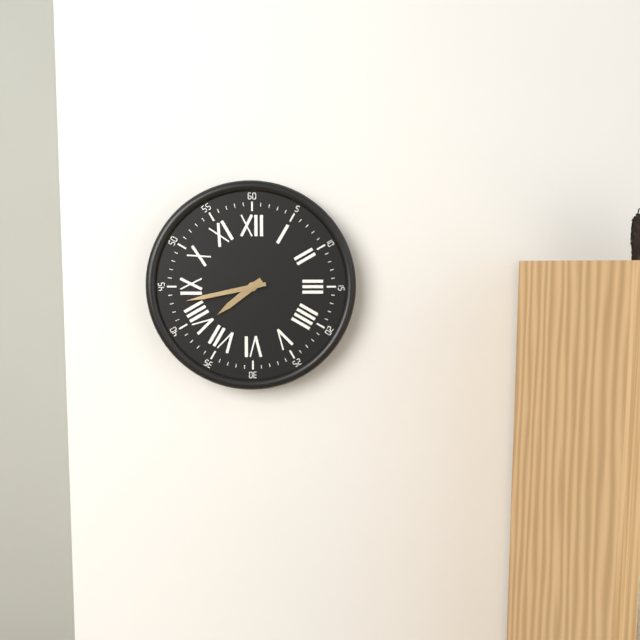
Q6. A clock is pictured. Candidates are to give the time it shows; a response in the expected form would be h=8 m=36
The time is h=7 m=43
